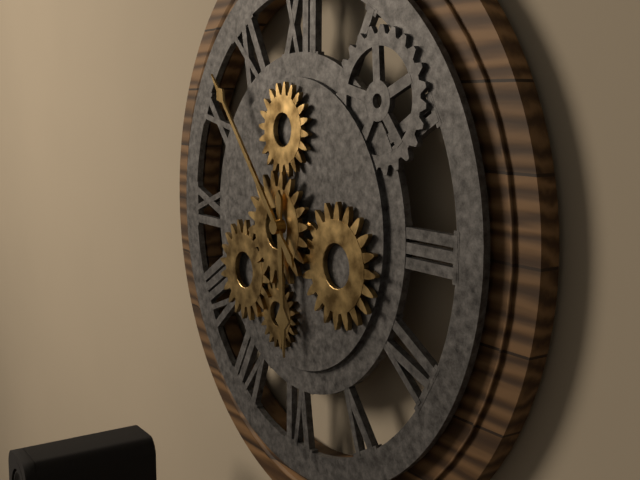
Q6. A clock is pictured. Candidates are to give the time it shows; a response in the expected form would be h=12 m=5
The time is h=5 m=53
